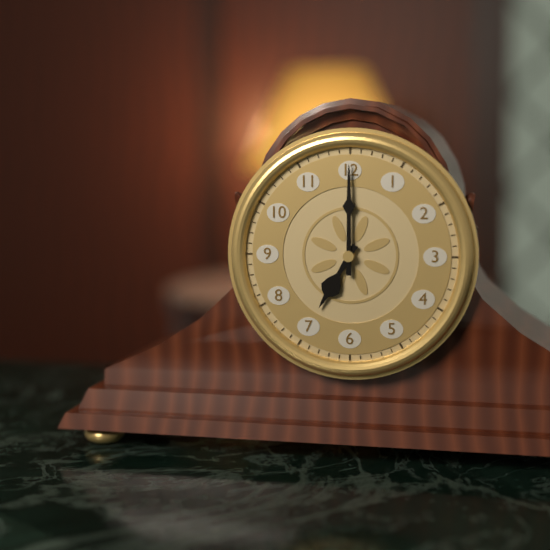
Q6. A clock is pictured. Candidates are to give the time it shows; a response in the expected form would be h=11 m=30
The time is h=7 m=0
